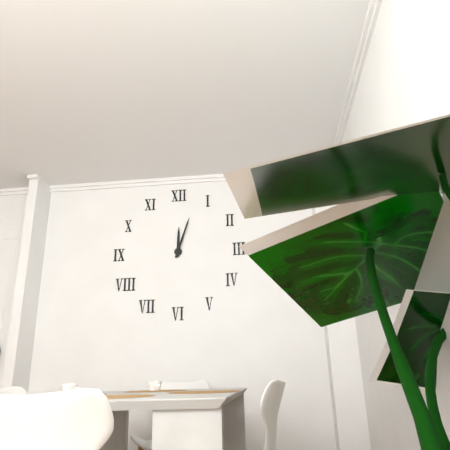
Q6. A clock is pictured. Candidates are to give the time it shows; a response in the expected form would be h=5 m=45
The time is h=12 m=3
